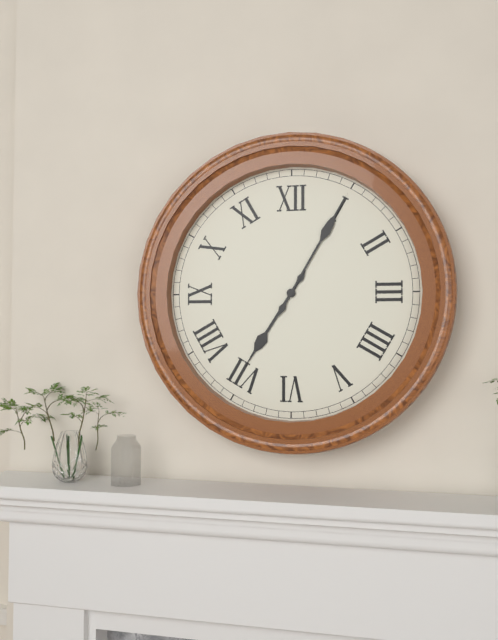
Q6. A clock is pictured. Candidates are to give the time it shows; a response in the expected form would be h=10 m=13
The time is h=7 m=5
